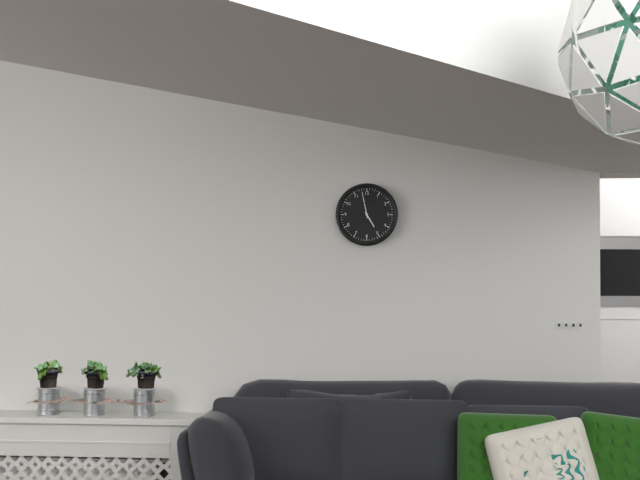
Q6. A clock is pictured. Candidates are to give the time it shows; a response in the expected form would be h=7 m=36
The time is h=4 m=58
